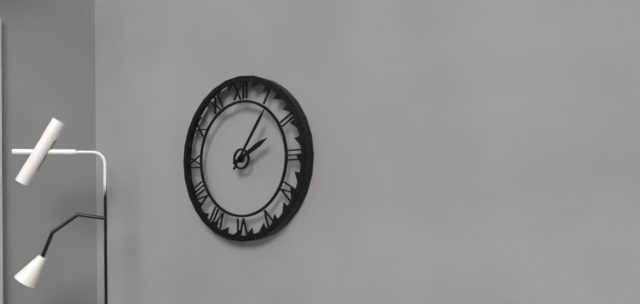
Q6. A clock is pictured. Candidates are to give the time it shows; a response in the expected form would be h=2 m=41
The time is h=2 m=6
